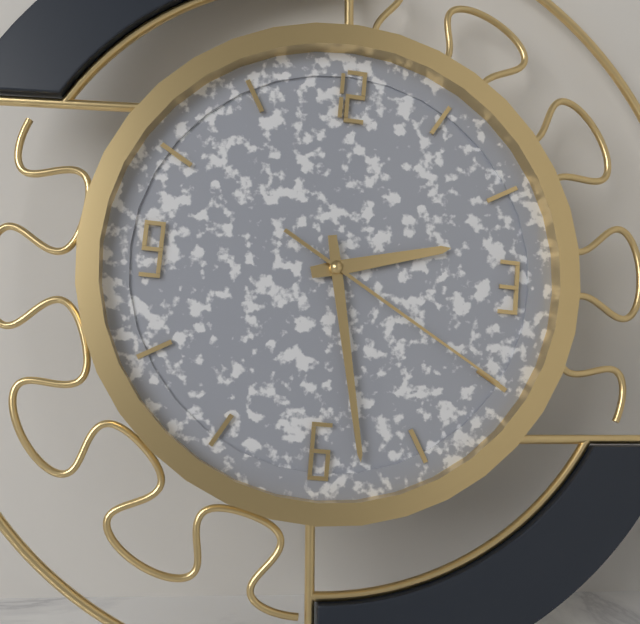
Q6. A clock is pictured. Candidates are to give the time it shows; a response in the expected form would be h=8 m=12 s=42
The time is h=2 m=28 s=20
